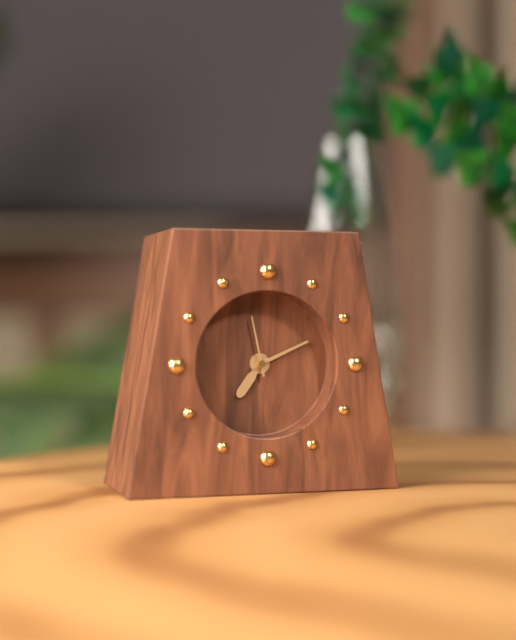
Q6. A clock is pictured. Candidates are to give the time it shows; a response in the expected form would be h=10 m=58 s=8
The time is h=7 m=11 s=58
